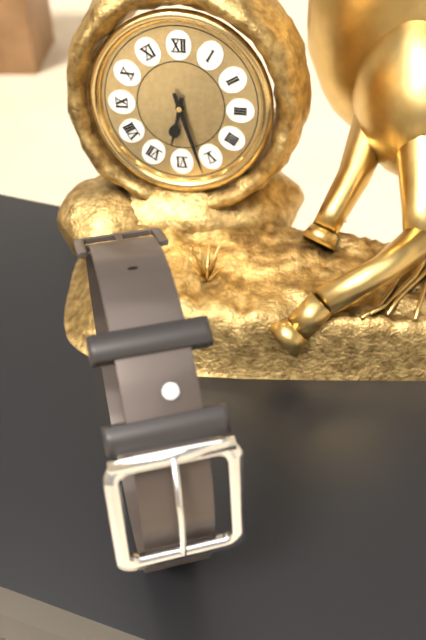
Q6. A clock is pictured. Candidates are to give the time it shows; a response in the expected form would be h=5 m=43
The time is h=6 m=27
